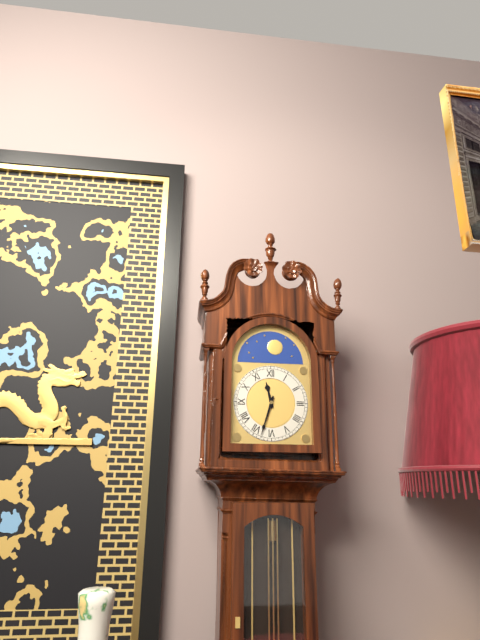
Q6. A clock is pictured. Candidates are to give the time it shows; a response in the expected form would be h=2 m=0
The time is h=11 m=33
